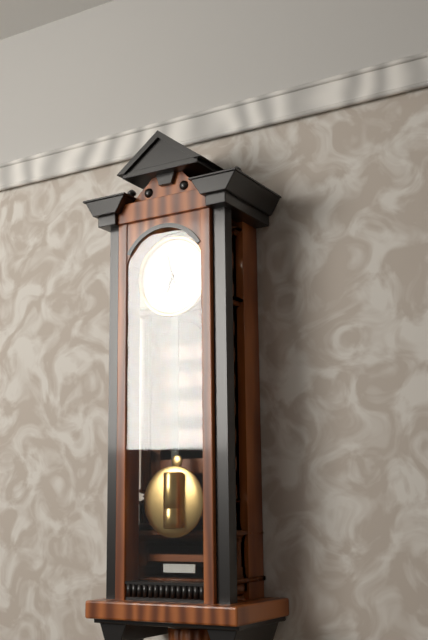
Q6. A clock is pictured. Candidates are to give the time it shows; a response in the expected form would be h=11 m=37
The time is h=6 m=57
